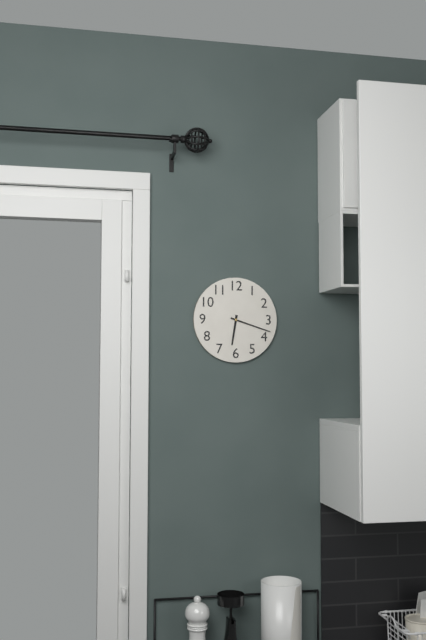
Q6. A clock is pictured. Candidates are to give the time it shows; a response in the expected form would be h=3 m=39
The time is h=6 m=18
